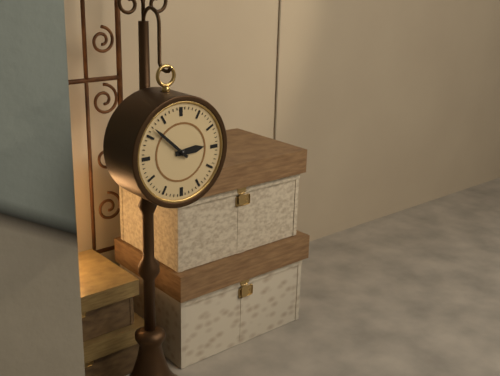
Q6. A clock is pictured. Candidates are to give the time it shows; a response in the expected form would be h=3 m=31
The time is h=2 m=52
